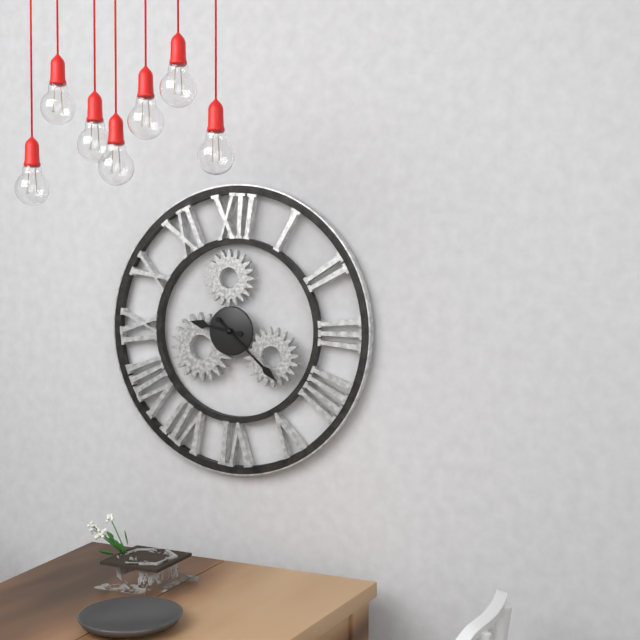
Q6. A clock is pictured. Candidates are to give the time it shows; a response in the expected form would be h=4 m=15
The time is h=9 m=22
